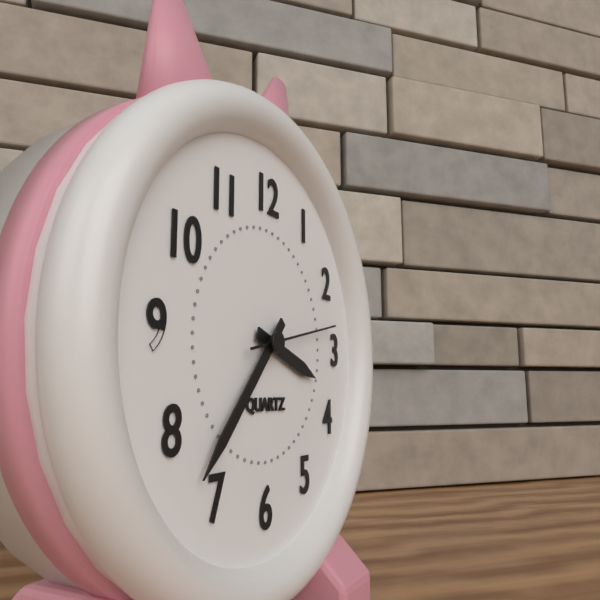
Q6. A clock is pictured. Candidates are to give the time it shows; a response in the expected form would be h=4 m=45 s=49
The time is h=3 m=37 s=13
